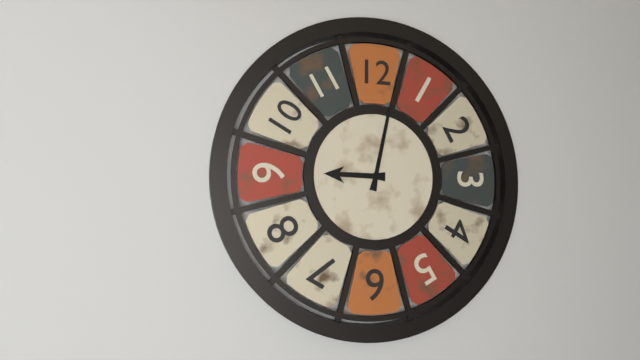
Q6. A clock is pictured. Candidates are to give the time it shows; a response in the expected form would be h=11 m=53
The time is h=9 m=2
